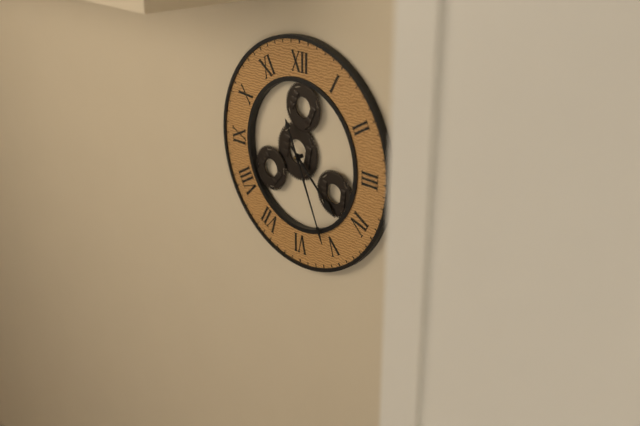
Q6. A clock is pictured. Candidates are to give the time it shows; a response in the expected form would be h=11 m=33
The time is h=4 m=26
